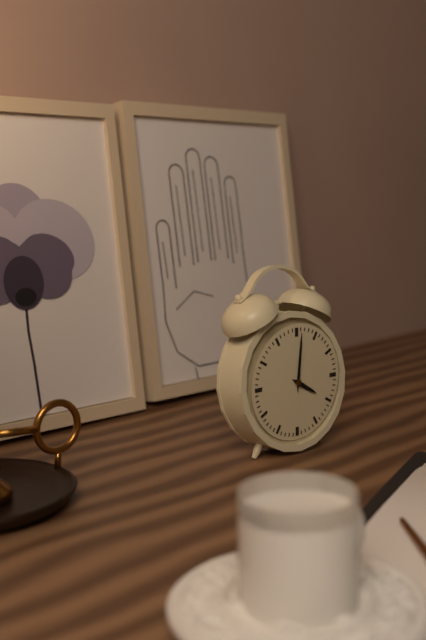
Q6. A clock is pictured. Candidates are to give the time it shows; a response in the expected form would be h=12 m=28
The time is h=4 m=1
